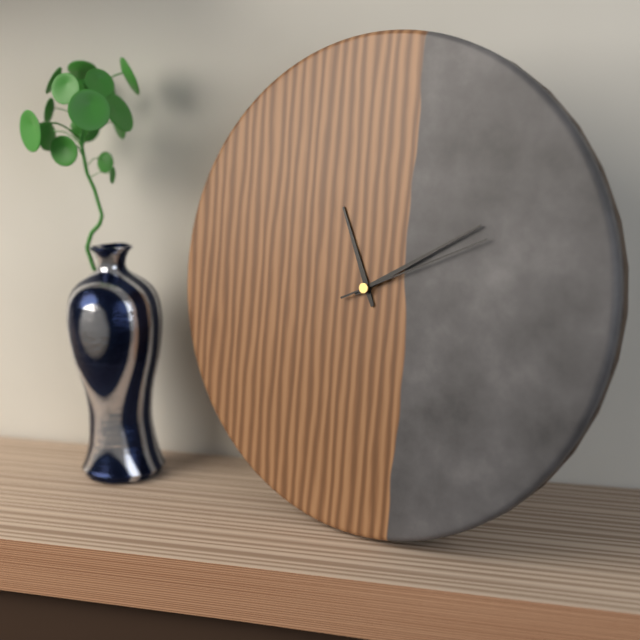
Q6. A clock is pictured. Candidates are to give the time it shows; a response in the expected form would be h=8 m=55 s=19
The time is h=11 m=10 s=11
